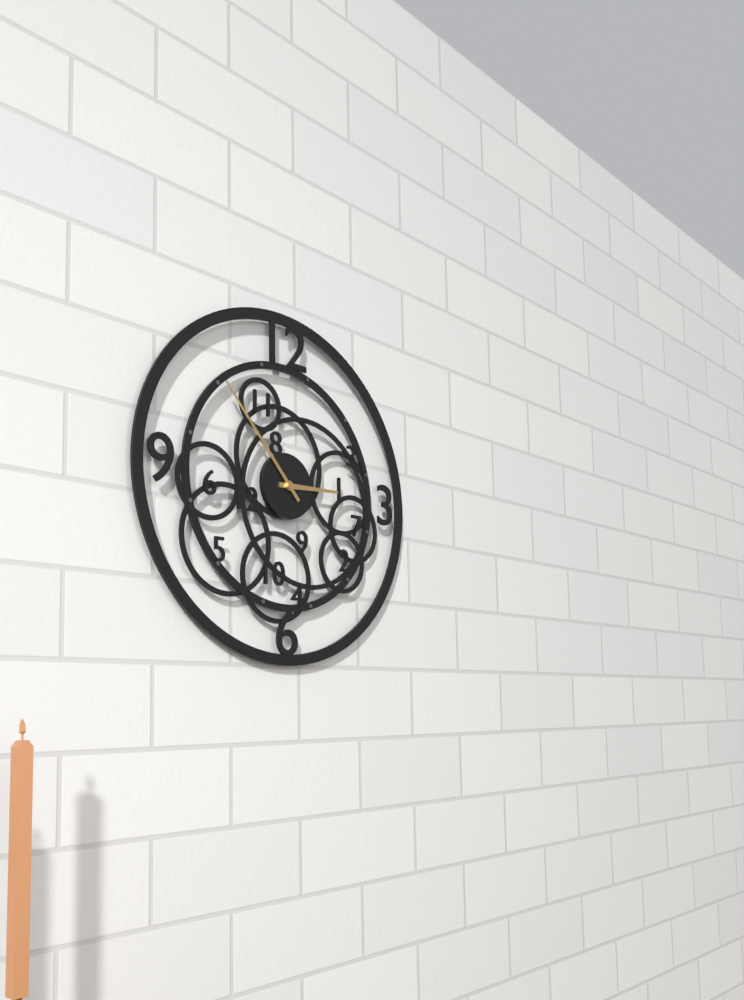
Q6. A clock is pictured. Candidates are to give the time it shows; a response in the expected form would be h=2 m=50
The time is h=2 m=53
